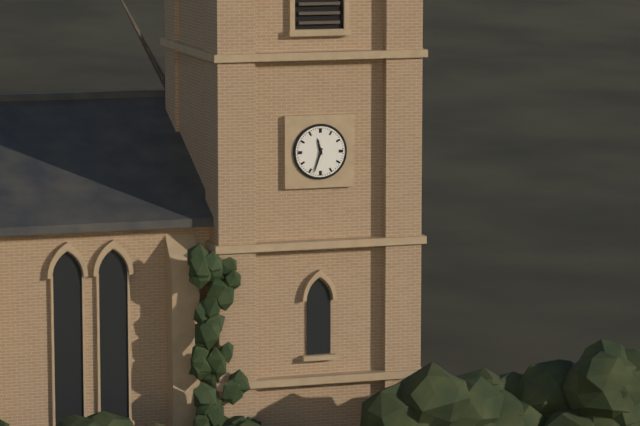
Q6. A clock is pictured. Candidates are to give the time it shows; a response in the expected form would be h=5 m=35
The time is h=11 m=33
